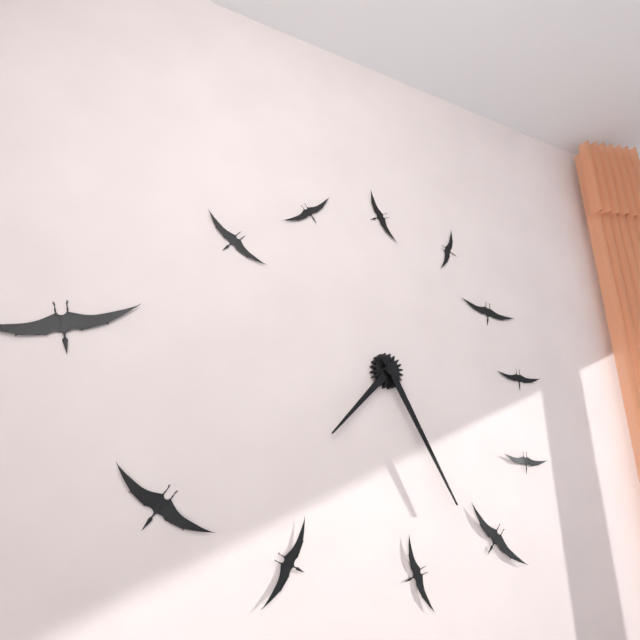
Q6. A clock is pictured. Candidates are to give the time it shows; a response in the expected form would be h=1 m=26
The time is h=7 m=25
